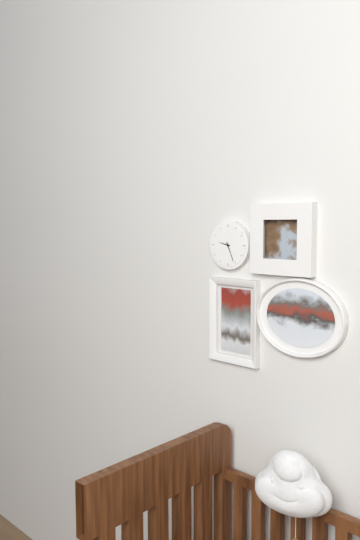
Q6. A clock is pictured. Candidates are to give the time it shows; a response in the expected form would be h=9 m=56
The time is h=9 m=26
